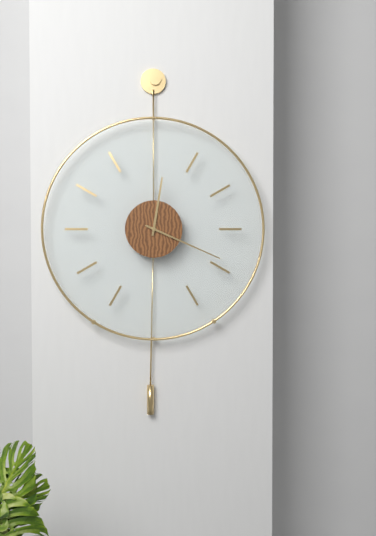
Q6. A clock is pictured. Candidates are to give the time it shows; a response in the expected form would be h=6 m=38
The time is h=12 m=19
